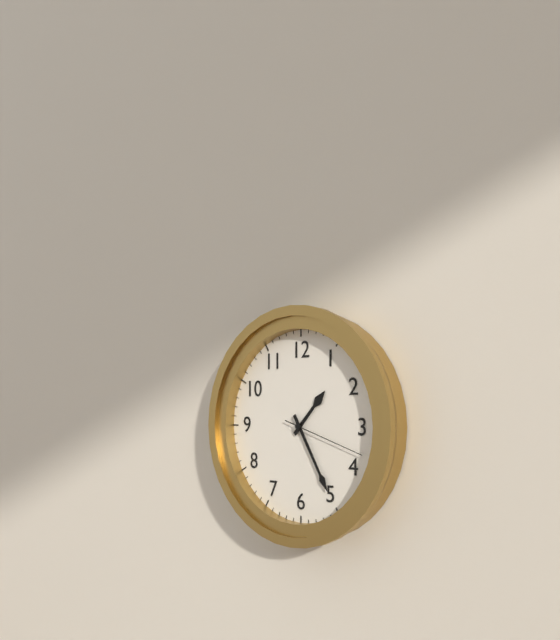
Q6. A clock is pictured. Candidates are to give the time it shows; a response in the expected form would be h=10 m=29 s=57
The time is h=1 m=25 s=18
